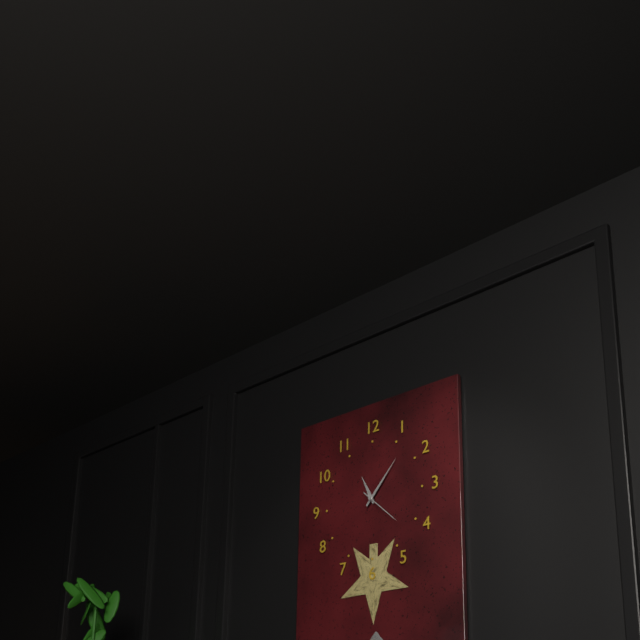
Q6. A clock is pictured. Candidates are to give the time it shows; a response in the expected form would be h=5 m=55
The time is h=11 m=7
